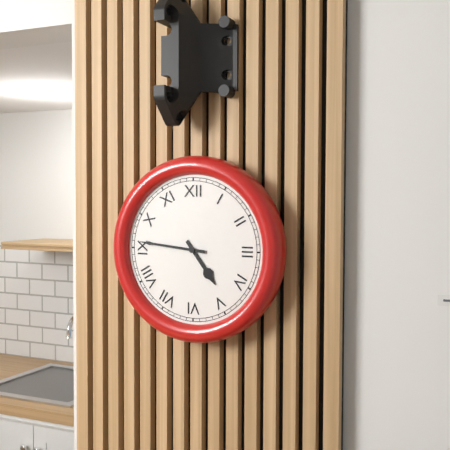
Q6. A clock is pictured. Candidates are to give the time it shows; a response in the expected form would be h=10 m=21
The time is h=4 m=46
